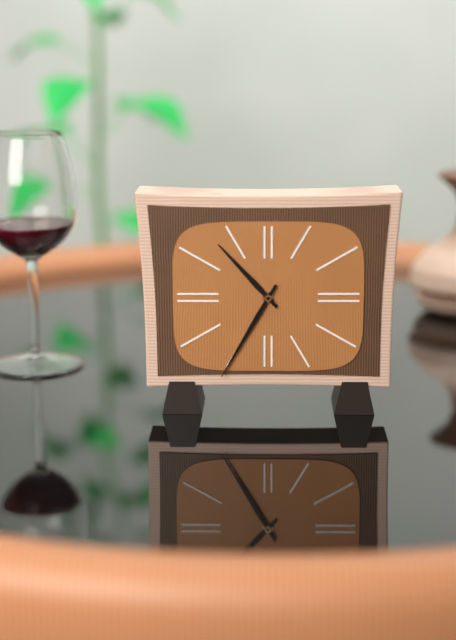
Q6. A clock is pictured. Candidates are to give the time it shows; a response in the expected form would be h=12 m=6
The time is h=10 m=35
